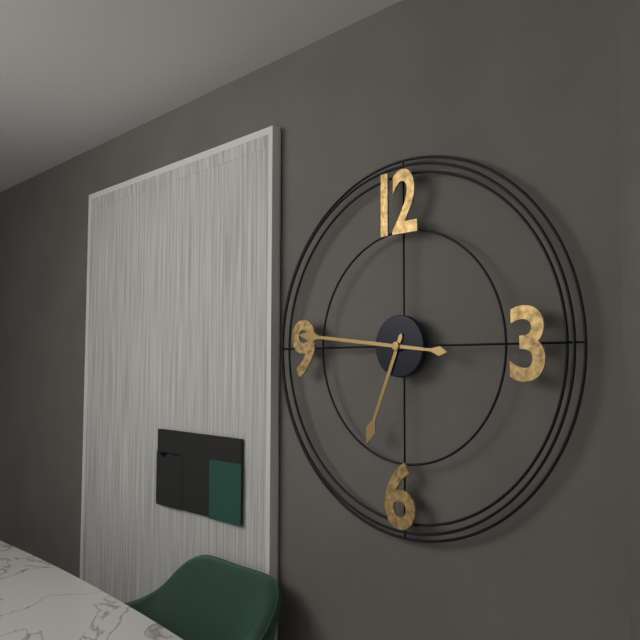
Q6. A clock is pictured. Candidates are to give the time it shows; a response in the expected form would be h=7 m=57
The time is h=6 m=46
